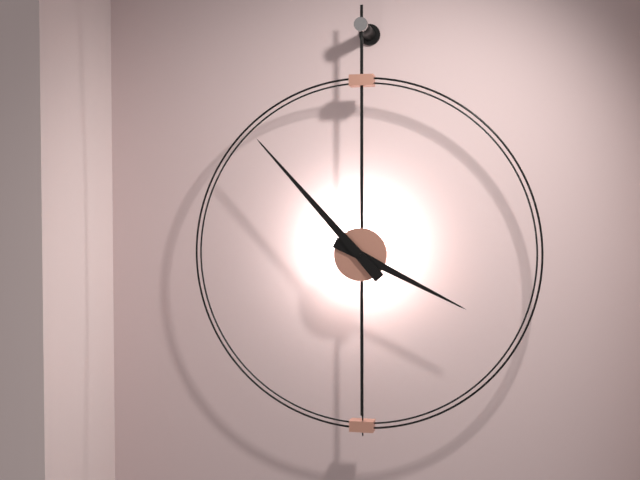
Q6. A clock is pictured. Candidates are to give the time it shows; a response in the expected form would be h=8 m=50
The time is h=3 m=53
